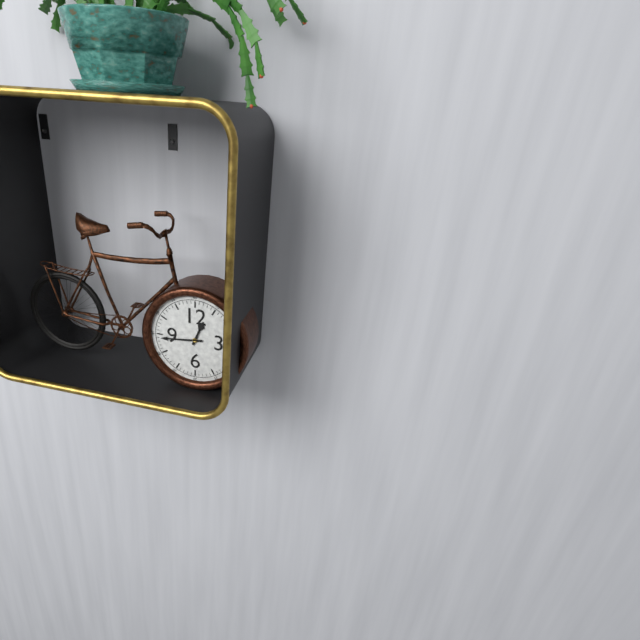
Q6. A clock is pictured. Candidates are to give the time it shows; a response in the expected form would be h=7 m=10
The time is h=12 m=44
